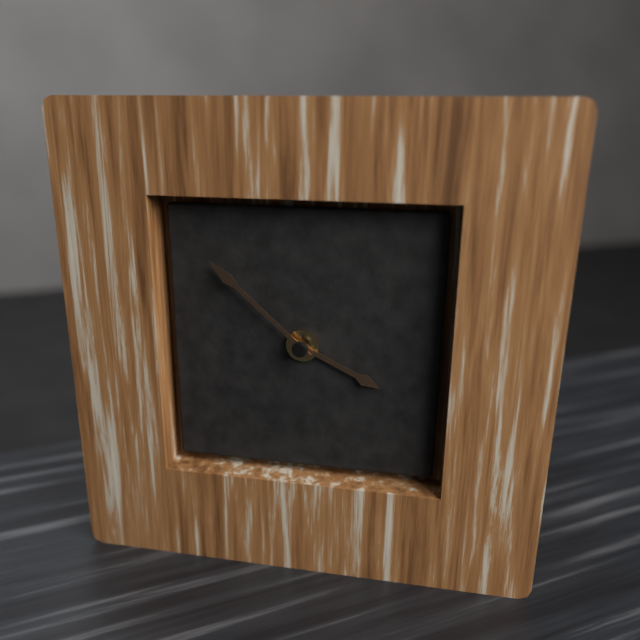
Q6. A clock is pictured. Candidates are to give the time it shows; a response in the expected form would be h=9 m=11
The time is h=3 m=52
